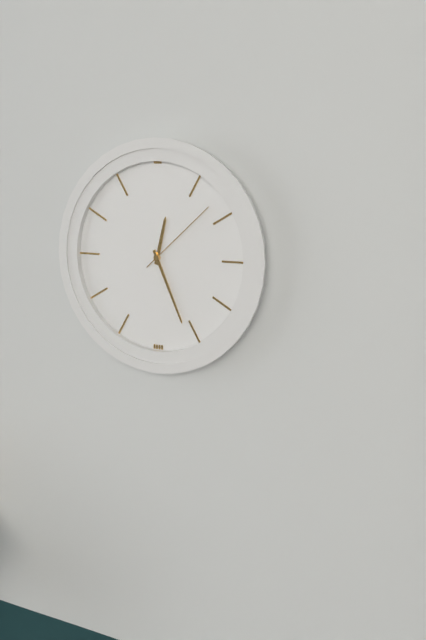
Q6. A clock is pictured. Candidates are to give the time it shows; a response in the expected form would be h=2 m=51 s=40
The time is h=12 m=26 s=8
